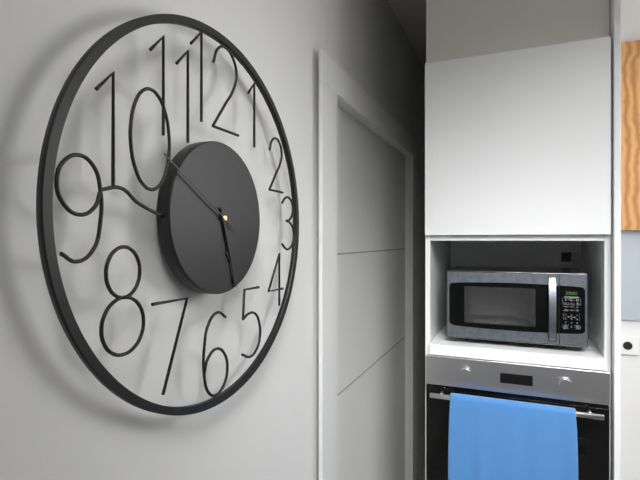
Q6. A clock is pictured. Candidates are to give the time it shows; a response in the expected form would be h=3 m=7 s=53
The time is h=5 m=27 s=50
